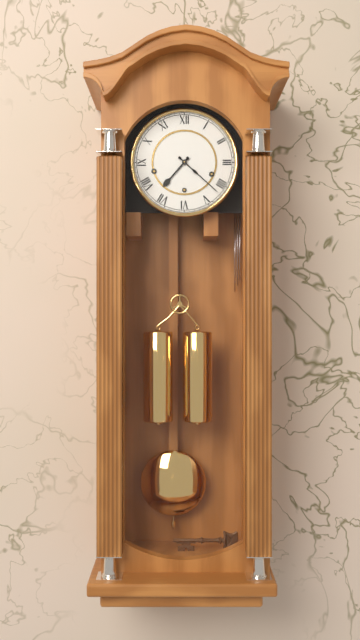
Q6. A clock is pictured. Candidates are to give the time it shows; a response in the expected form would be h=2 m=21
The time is h=7 m=22
